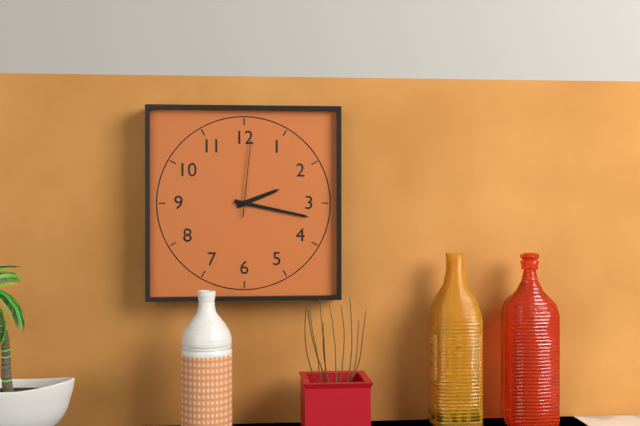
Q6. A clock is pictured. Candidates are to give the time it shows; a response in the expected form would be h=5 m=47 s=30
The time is h=2 m=17 s=1
